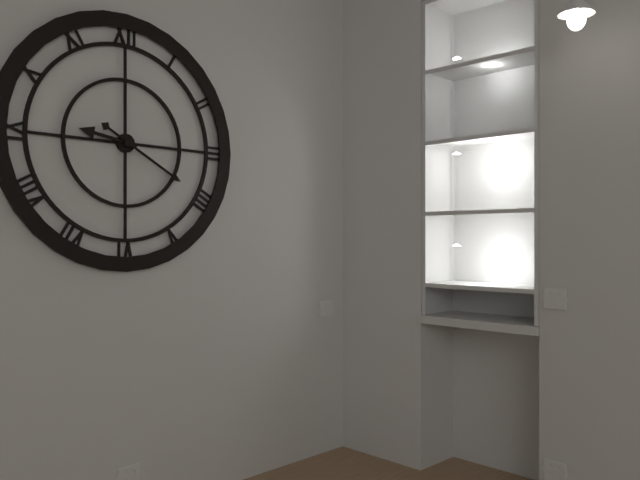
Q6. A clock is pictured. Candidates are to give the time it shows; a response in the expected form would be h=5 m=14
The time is h=9 m=20
